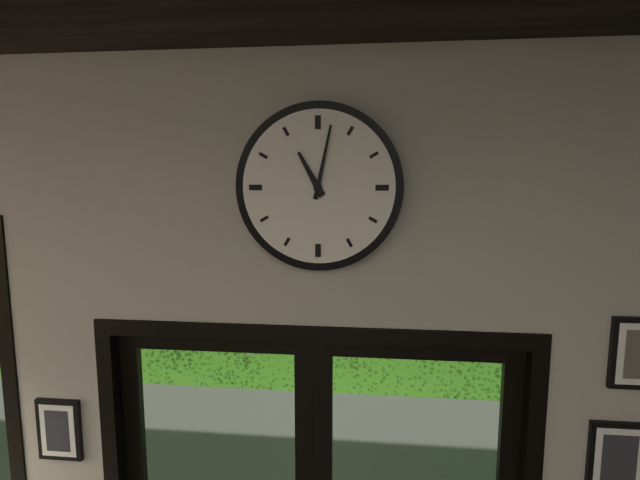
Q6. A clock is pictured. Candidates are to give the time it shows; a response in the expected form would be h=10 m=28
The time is h=11 m=2
